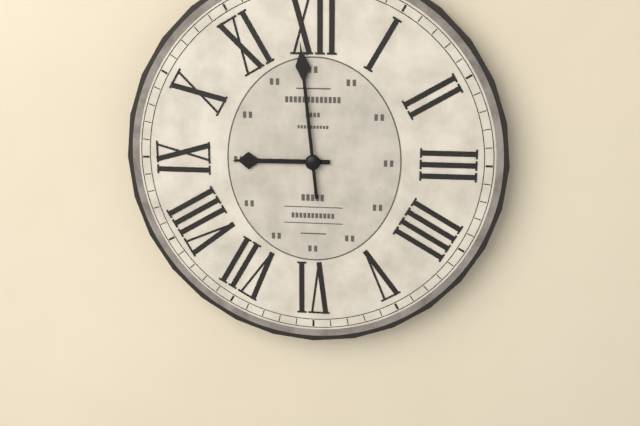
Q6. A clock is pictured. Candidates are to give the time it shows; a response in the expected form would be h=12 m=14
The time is h=8 m=59
